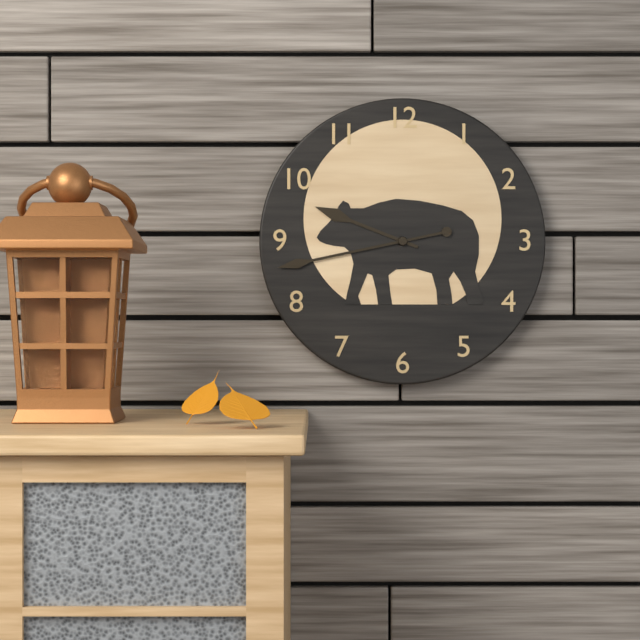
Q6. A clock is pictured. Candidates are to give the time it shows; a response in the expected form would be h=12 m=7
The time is h=9 m=43
